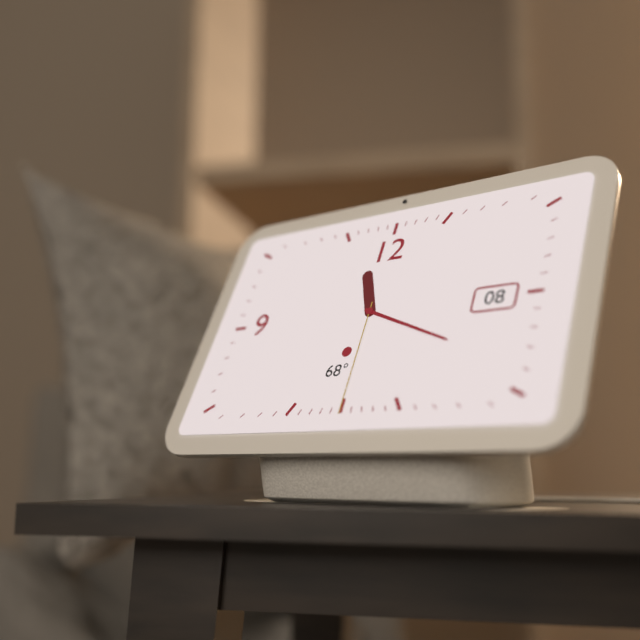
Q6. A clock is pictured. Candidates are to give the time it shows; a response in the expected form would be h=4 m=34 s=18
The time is h=11 m=19 s=30
